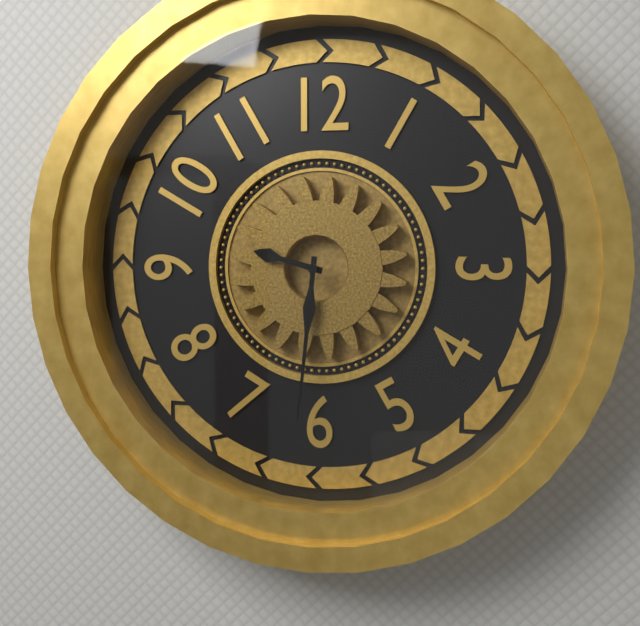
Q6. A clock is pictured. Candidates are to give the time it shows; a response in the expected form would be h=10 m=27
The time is h=9 m=31
